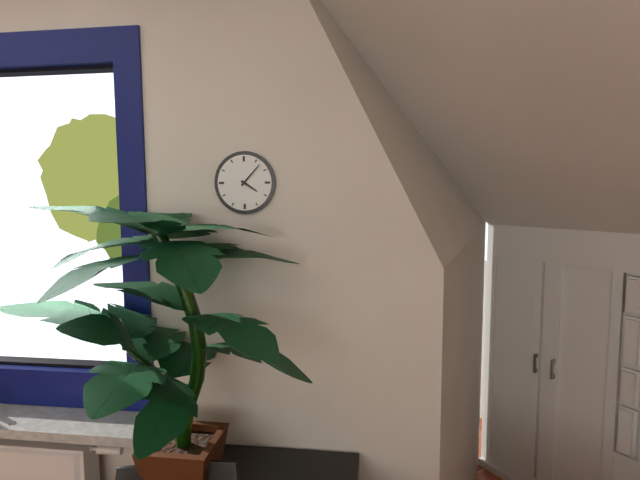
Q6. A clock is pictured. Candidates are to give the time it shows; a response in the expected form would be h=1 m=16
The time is h=4 m=7
